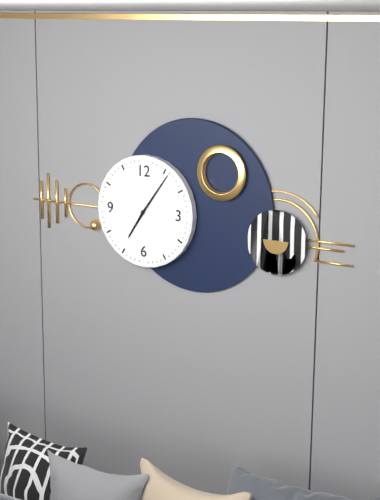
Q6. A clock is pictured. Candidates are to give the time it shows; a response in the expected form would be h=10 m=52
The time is h=7 m=6
